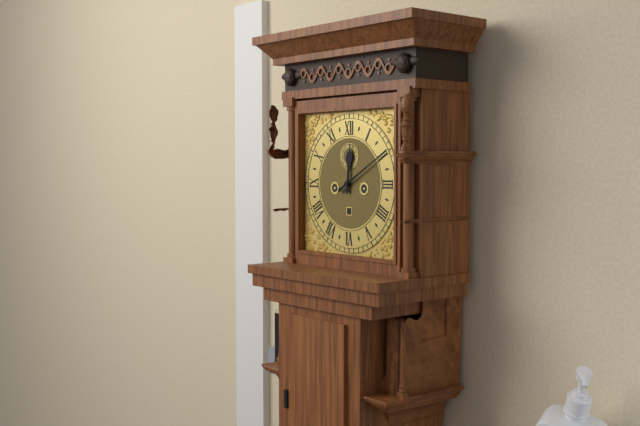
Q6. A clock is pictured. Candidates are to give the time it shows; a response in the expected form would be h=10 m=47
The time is h=12 m=10
